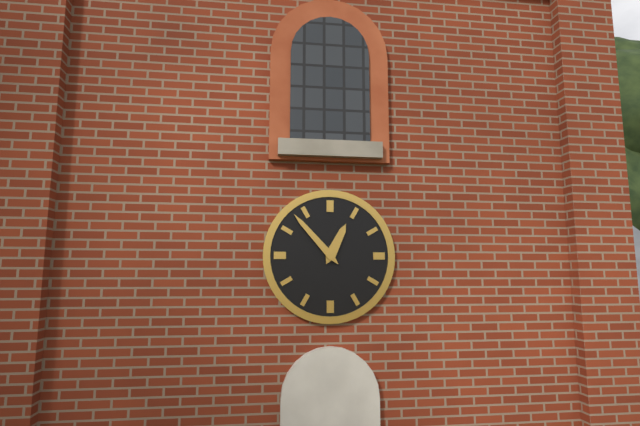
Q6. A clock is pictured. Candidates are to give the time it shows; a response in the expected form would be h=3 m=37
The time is h=12 m=53
